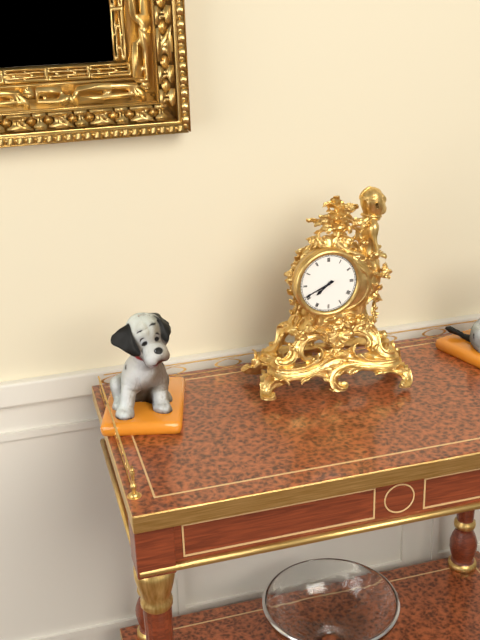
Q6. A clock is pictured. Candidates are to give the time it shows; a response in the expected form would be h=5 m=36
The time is h=7 m=41
